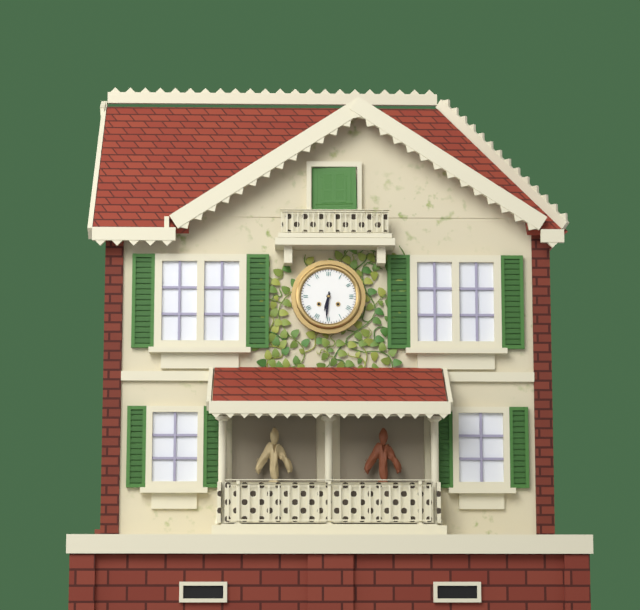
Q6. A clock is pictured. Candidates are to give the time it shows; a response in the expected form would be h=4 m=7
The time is h=6 m=31
